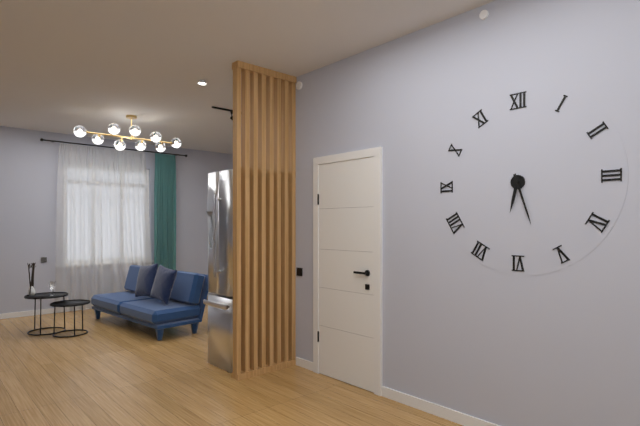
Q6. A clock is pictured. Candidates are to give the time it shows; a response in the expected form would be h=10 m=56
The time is h=6 m=27
